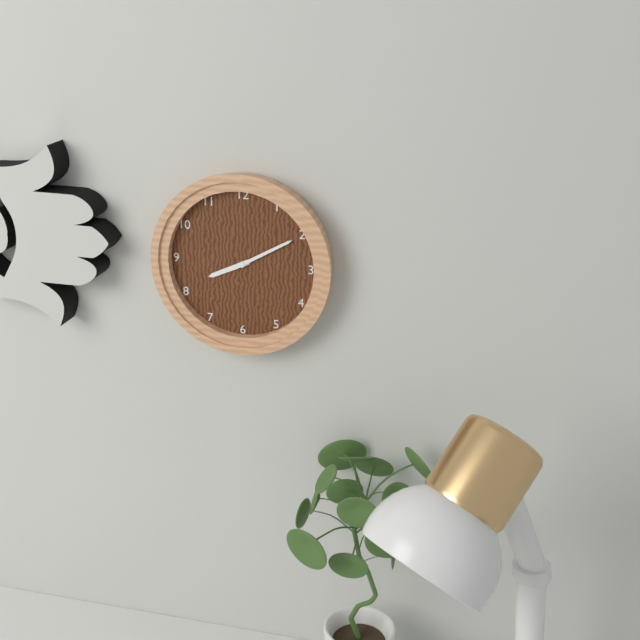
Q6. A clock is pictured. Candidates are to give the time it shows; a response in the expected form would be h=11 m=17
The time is h=8 m=10
